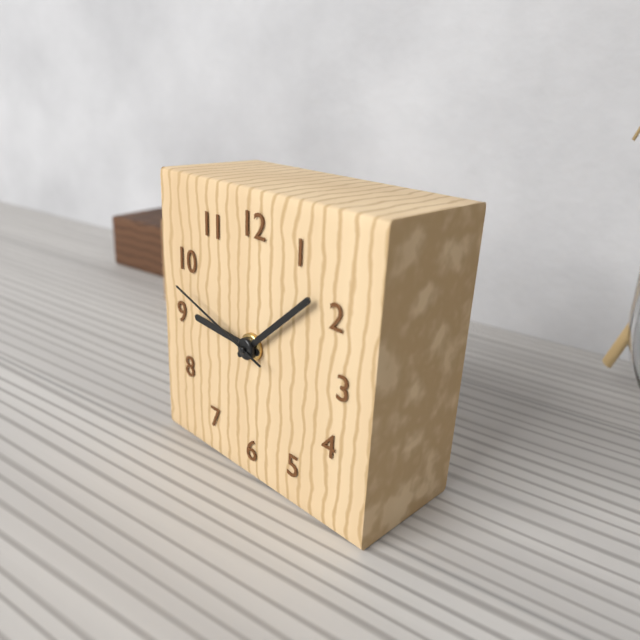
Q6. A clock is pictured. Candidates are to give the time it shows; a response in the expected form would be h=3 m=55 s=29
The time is h=9 m=8 s=48
